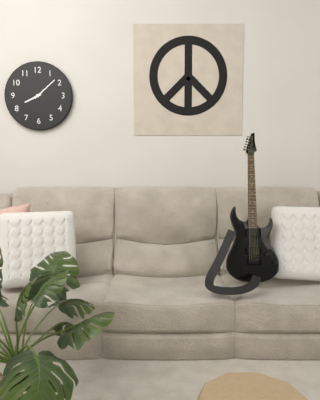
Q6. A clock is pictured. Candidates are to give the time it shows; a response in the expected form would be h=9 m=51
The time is h=8 m=8
